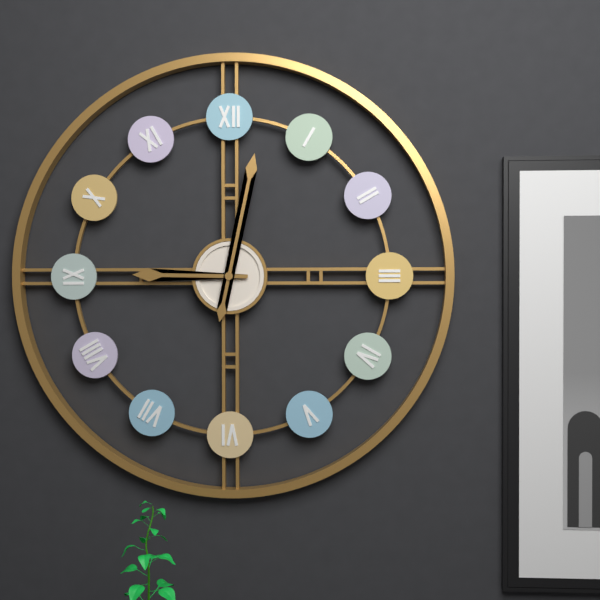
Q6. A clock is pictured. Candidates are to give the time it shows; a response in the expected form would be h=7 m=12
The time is h=9 m=2
